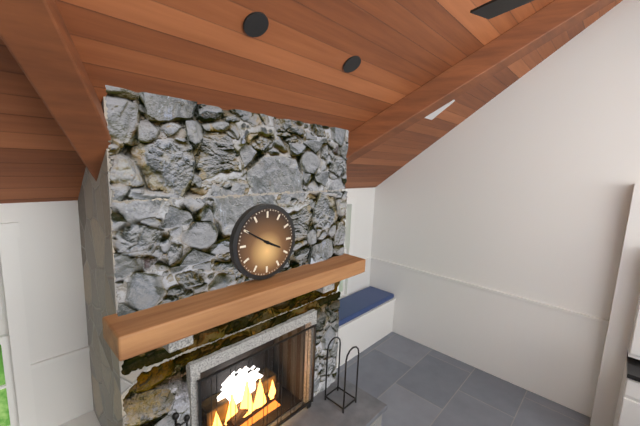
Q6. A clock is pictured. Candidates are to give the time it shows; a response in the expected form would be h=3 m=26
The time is h=3 m=50
